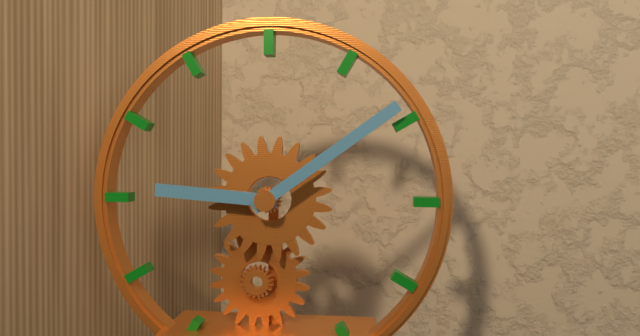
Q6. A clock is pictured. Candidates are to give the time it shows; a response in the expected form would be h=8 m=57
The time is h=9 m=9
